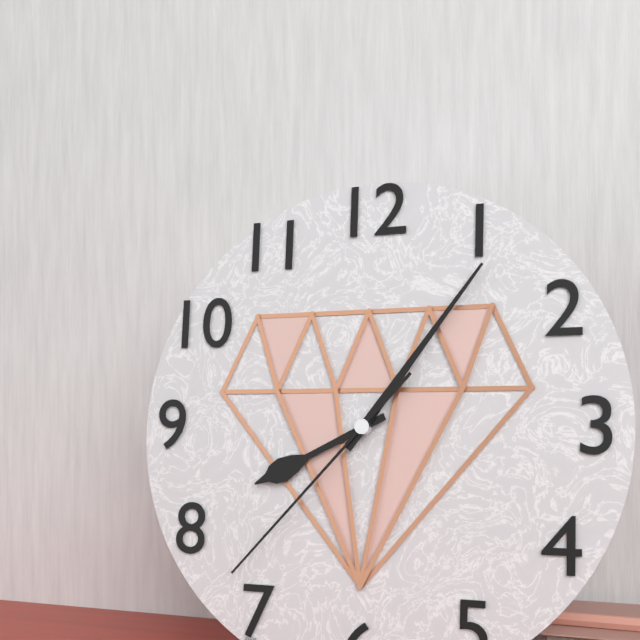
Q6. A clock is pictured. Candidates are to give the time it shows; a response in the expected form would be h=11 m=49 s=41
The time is h=8 m=6 s=37
